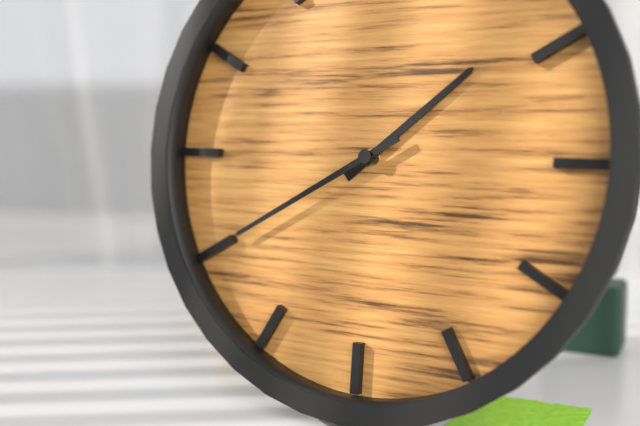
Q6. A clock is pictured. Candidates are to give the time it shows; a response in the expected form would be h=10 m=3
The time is h=1 m=40
